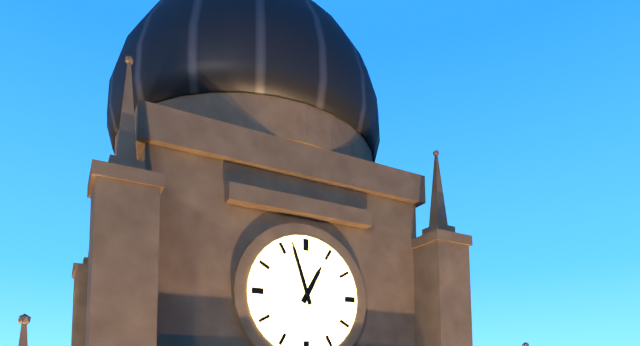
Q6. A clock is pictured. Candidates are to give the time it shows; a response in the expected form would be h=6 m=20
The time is h=12 m=57
